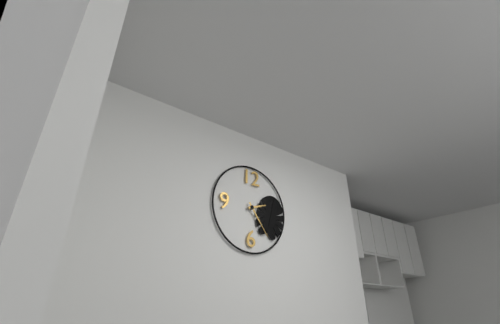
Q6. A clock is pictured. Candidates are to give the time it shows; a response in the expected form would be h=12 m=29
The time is h=2 m=24
